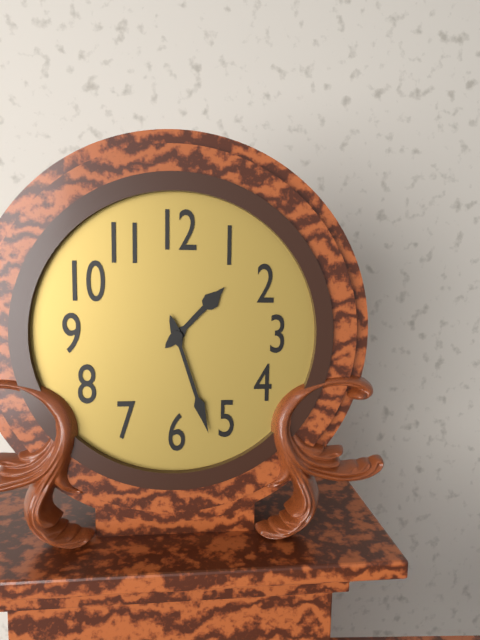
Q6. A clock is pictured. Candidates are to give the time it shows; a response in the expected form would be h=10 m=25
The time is h=1 m=27
